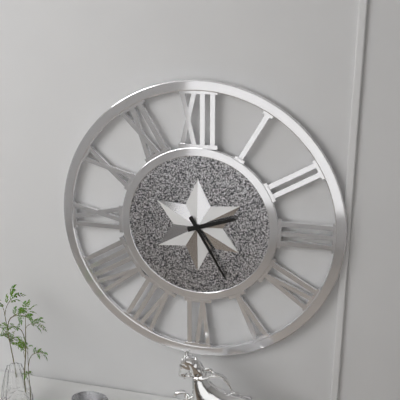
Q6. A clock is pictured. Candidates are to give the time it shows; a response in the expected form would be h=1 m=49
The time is h=2 m=25
